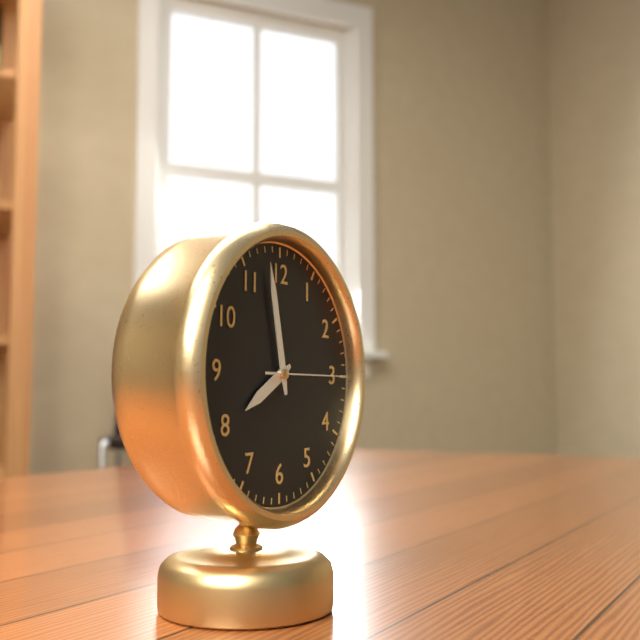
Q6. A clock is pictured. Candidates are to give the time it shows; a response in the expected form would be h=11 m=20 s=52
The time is h=7 m=58 s=15
